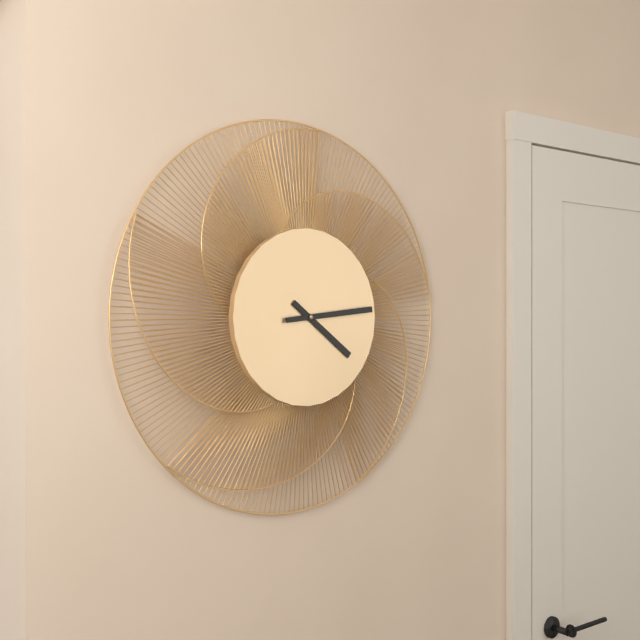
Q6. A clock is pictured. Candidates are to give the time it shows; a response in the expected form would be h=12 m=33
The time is h=4 m=14
